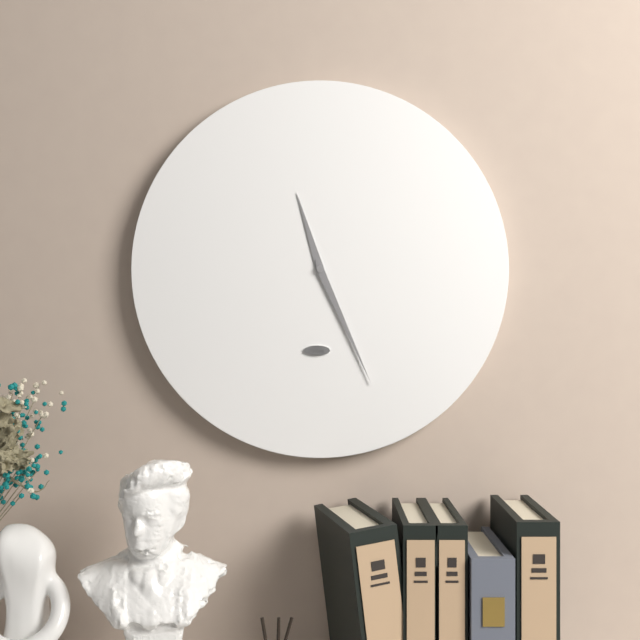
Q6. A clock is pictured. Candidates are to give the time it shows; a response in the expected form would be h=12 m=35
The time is h=11 m=26
